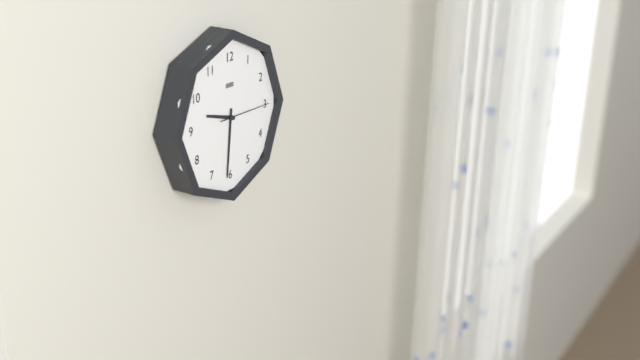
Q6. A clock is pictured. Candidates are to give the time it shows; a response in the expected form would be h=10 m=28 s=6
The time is h=9 m=31 s=15
